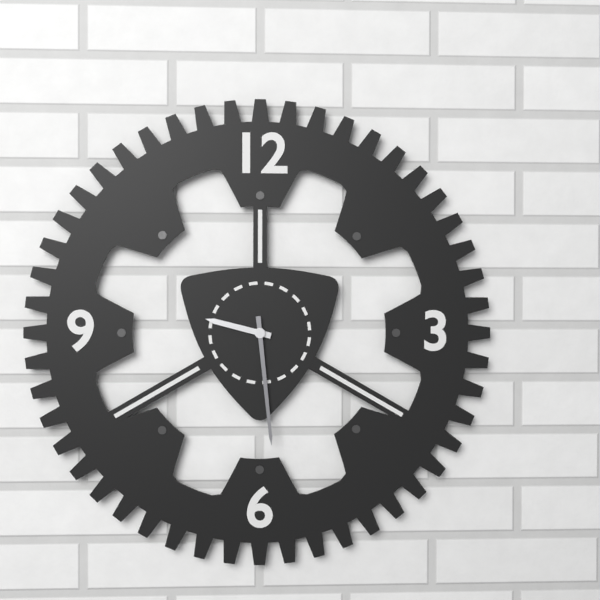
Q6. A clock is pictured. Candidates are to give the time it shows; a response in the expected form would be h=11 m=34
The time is h=9 m=29
